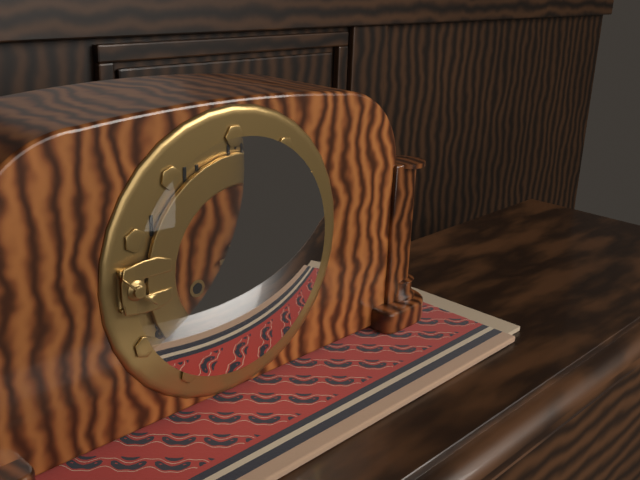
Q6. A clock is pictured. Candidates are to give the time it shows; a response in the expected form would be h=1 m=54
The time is h=5 m=15
